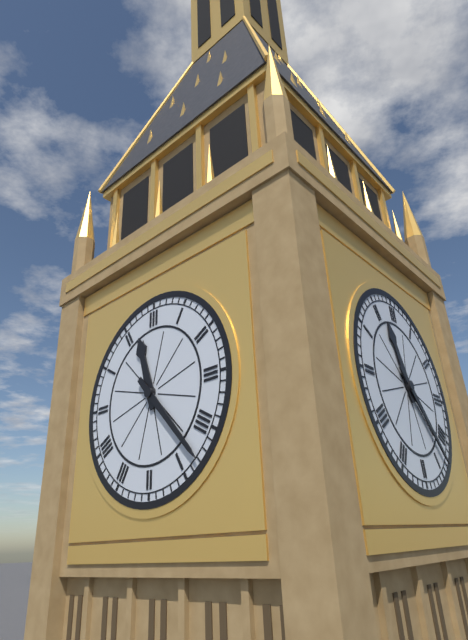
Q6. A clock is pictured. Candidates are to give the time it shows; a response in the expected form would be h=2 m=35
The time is h=11 m=23
